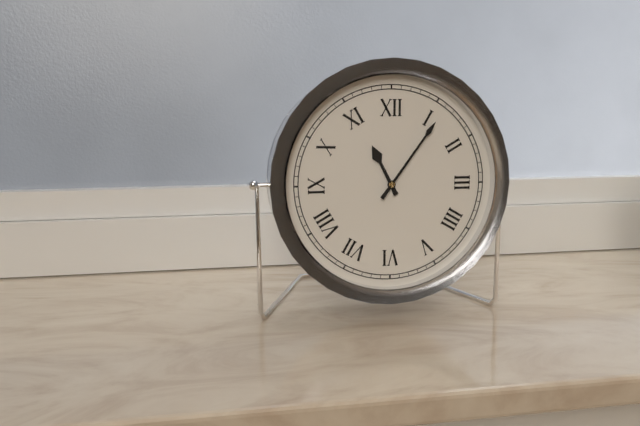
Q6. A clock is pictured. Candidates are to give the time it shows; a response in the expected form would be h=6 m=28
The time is h=11 m=6
